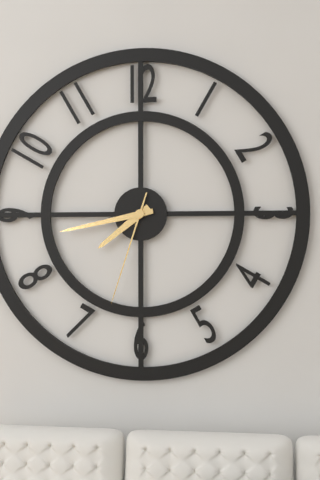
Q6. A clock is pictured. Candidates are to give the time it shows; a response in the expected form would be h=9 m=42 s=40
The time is h=7 m=43 s=33
